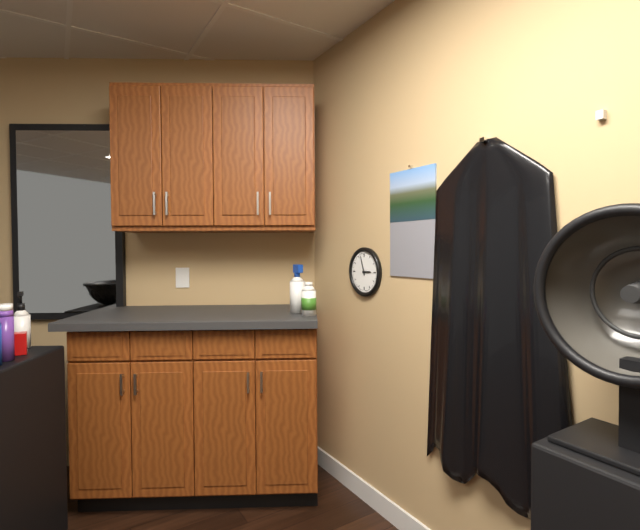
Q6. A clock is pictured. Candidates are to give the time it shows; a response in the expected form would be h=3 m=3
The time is h=2 m=57
